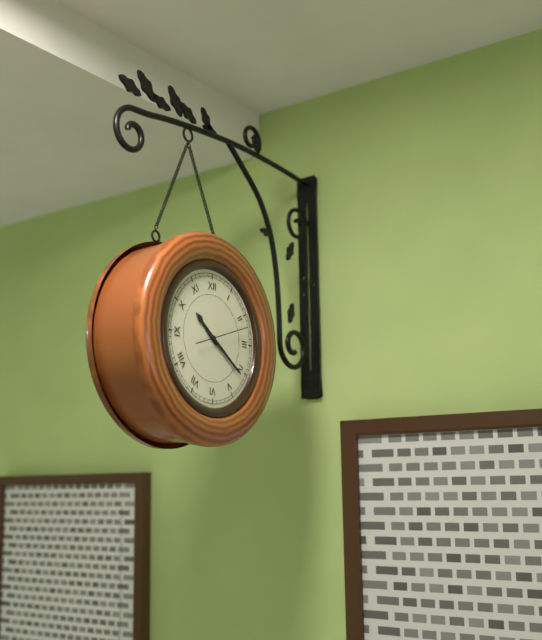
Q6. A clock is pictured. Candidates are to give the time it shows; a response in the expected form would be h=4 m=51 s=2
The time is h=10 m=21 s=12
